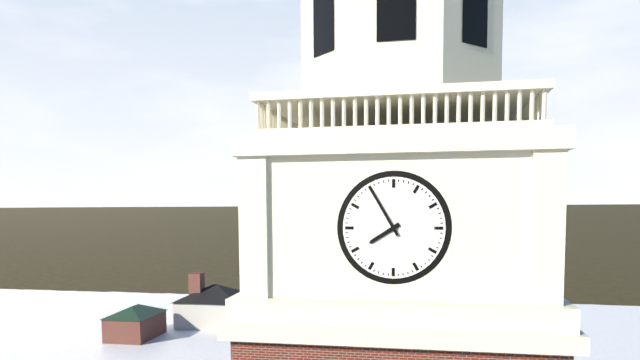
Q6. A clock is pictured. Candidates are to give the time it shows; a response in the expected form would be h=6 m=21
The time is h=7 m=55
